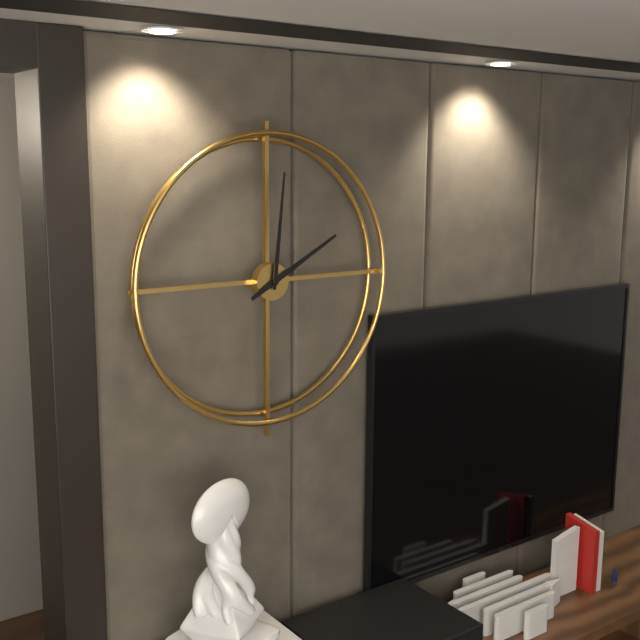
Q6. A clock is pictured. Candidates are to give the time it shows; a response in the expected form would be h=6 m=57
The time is h=2 m=1
